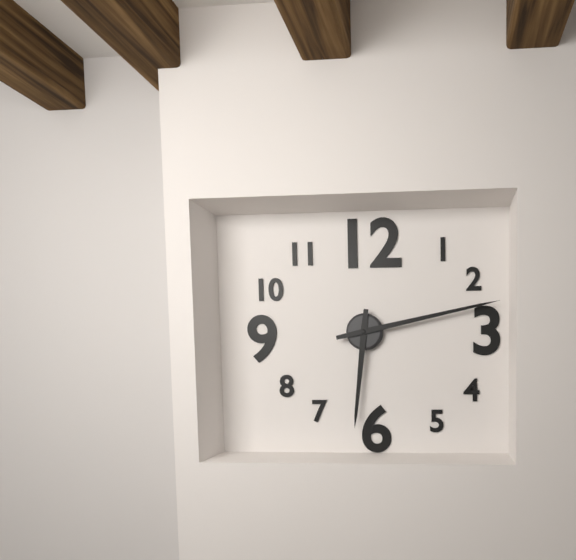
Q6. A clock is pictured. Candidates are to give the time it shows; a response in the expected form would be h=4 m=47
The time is h=6 m=13
